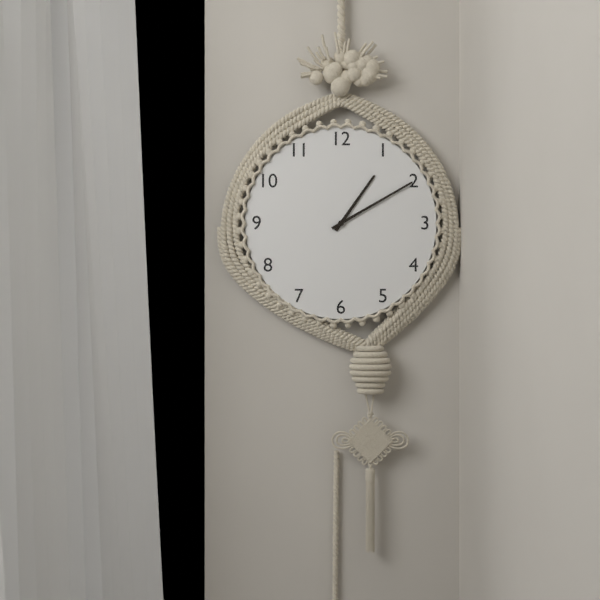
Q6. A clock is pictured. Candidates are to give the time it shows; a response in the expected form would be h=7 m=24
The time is h=1 m=10
